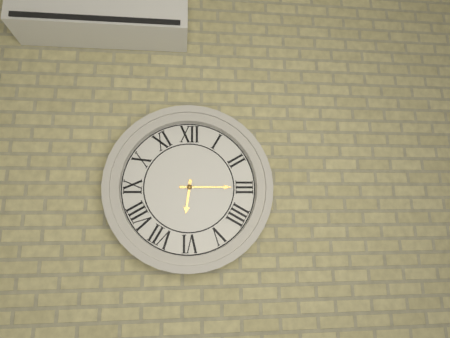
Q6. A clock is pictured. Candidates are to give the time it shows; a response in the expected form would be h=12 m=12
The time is h=6 m=15
